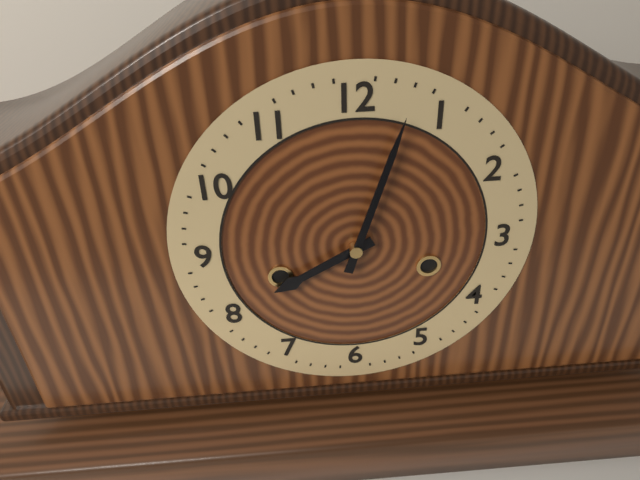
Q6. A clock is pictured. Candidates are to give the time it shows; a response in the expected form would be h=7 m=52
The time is h=8 m=3
